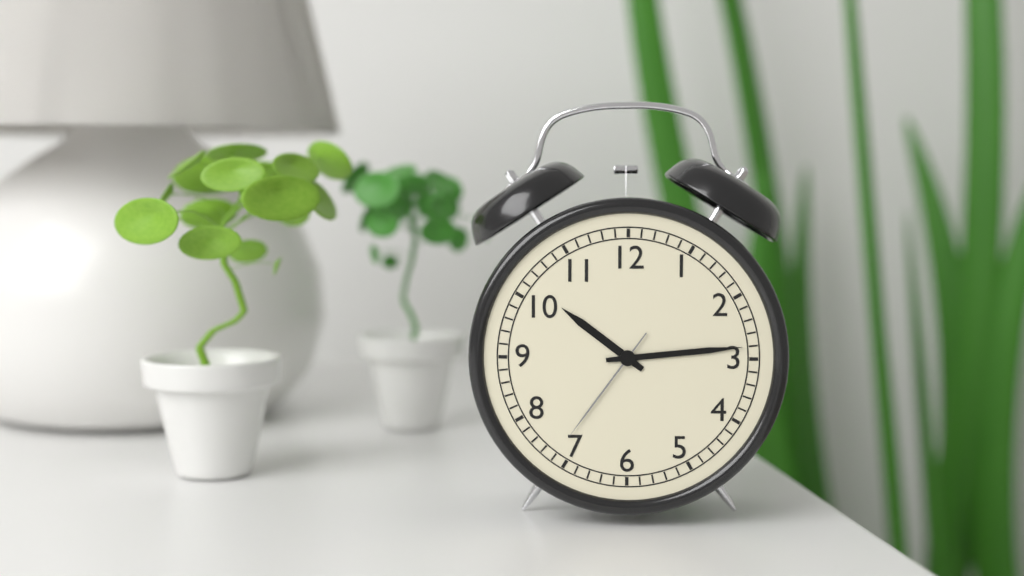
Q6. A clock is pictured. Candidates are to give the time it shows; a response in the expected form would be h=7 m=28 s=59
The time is h=10 m=14 s=36
